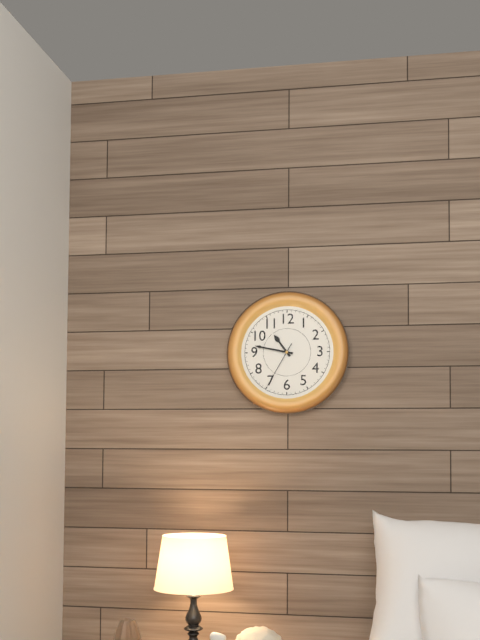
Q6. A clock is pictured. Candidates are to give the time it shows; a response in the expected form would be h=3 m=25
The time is h=10 m=47
